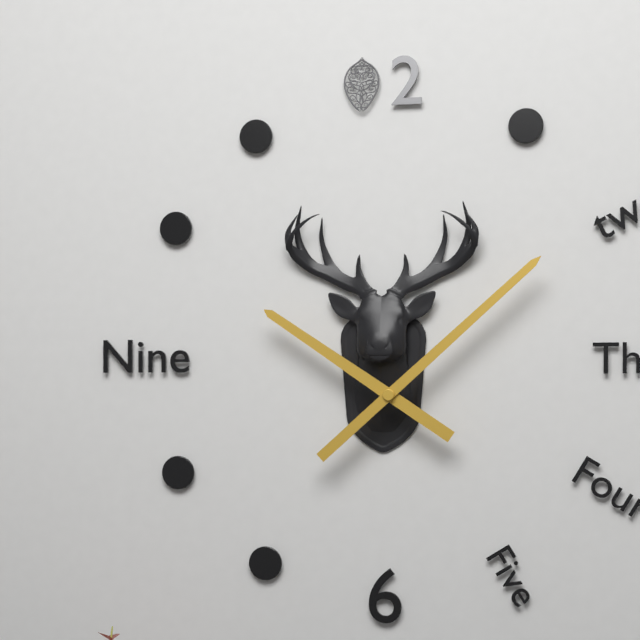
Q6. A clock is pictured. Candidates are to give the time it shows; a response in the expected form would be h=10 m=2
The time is h=10 m=8
